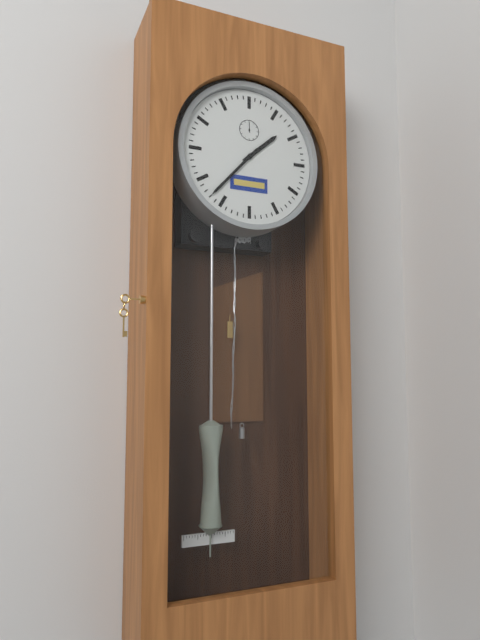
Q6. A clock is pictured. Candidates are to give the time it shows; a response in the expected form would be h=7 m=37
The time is h=1 m=37
